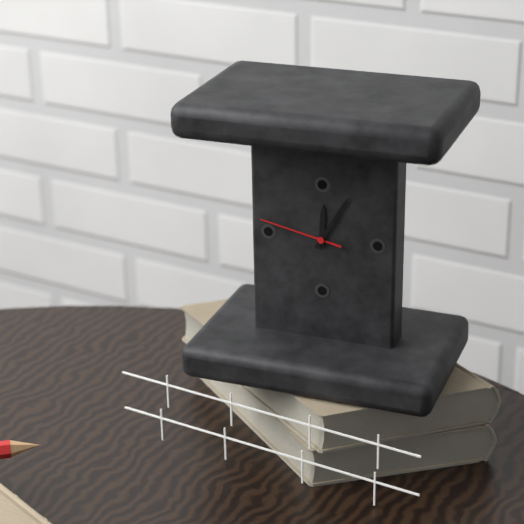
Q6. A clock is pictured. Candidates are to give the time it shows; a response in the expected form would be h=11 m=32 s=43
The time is h=12 m=5 s=47
